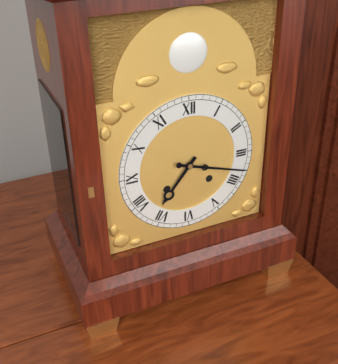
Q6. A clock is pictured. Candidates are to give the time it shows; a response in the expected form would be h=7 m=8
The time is h=7 m=18
